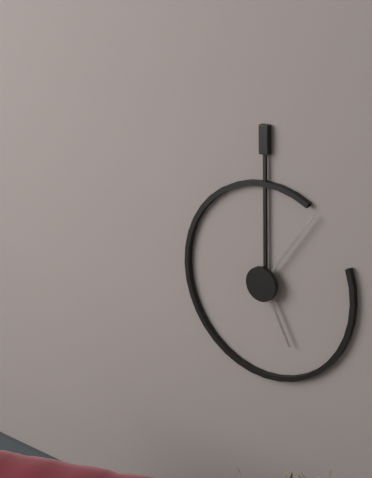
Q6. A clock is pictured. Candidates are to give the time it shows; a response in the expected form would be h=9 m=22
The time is h=5 m=6
